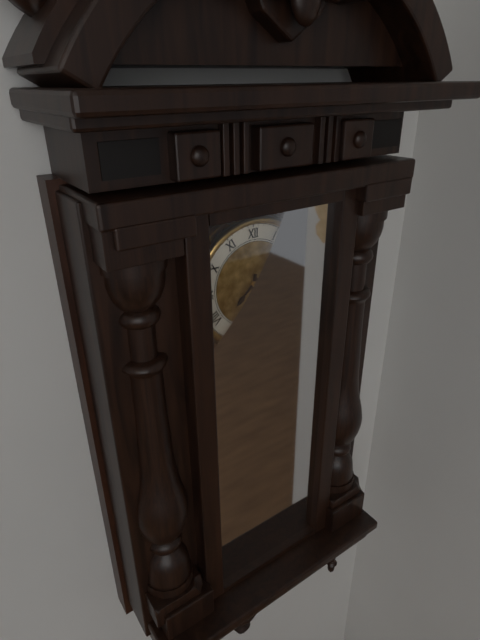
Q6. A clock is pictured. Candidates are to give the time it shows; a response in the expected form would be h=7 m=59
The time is h=7 m=32
